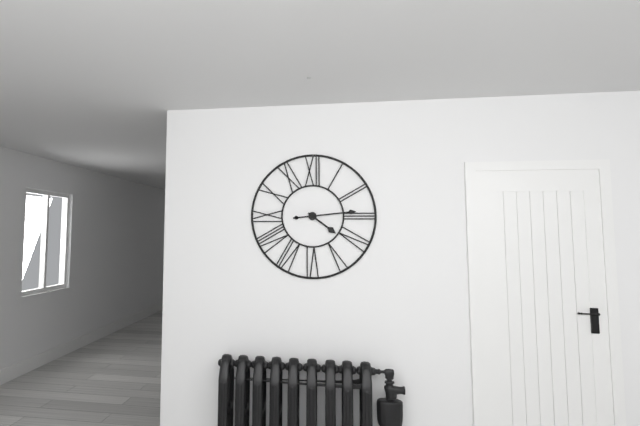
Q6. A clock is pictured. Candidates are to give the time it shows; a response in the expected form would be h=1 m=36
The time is h=4 m=14
